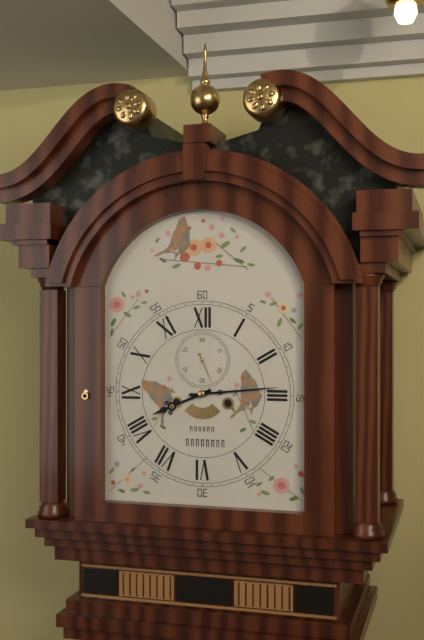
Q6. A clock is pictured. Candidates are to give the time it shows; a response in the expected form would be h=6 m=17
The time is h=8 m=14
